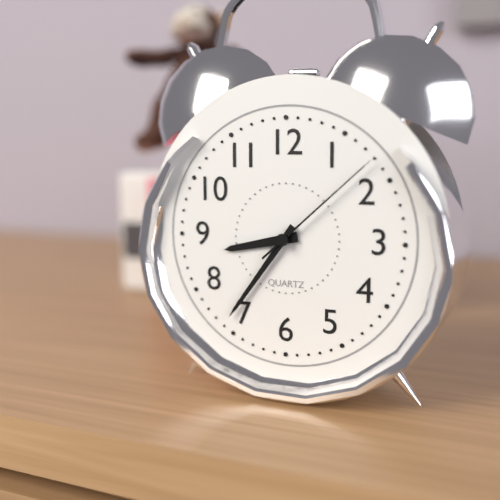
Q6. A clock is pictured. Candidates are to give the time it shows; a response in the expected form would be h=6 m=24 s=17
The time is h=8 m=36 s=8
